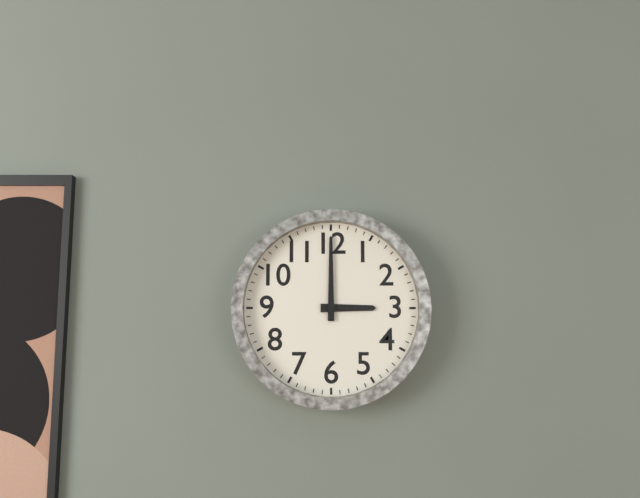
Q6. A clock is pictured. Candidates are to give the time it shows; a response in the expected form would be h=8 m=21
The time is h=3 m=0
